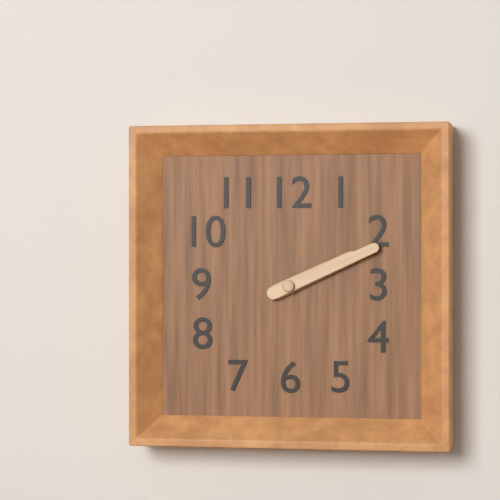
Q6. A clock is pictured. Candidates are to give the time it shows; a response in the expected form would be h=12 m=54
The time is h=2 m=11
